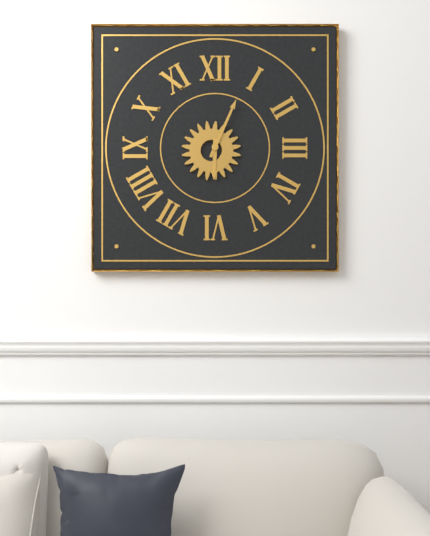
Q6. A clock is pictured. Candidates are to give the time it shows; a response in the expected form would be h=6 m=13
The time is h=6 m=4
